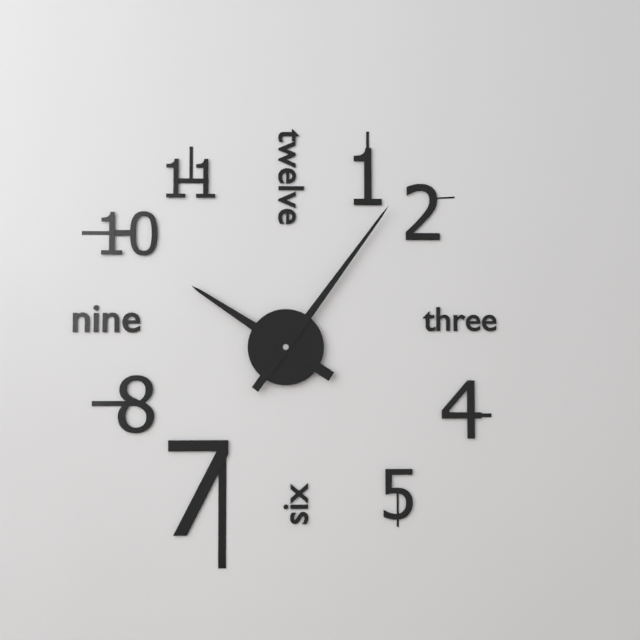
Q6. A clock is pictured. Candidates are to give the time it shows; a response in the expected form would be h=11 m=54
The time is h=10 m=6
